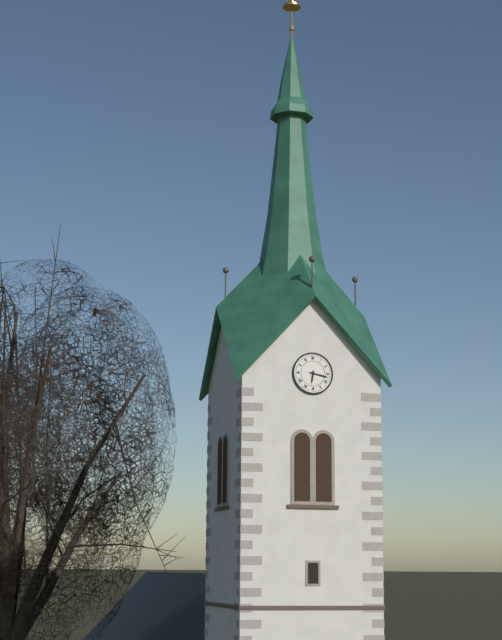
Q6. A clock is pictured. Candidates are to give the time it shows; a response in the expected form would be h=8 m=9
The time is h=6 m=17
